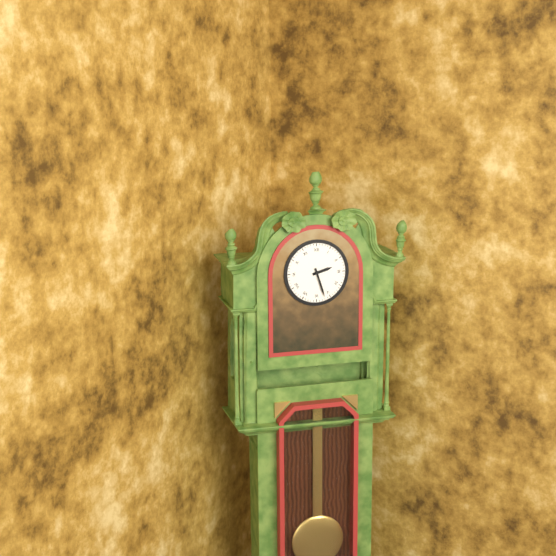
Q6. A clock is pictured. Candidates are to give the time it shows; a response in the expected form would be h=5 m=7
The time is h=2 m=27
